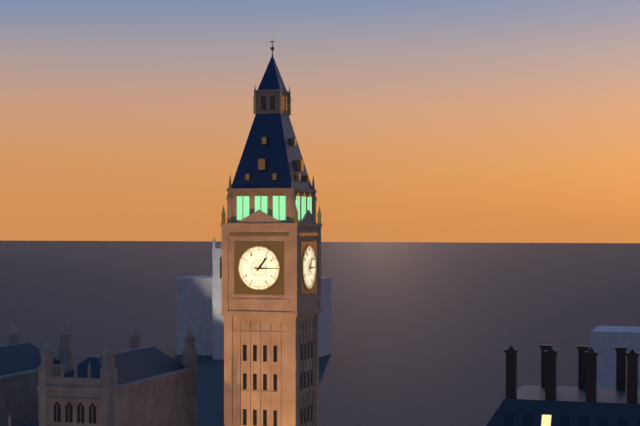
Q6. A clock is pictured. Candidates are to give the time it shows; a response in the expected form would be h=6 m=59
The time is h=1 m=15
